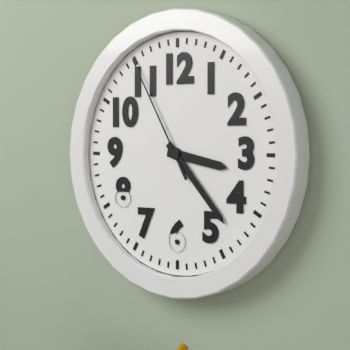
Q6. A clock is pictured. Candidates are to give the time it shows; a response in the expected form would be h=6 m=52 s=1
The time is h=3 m=23 s=55
